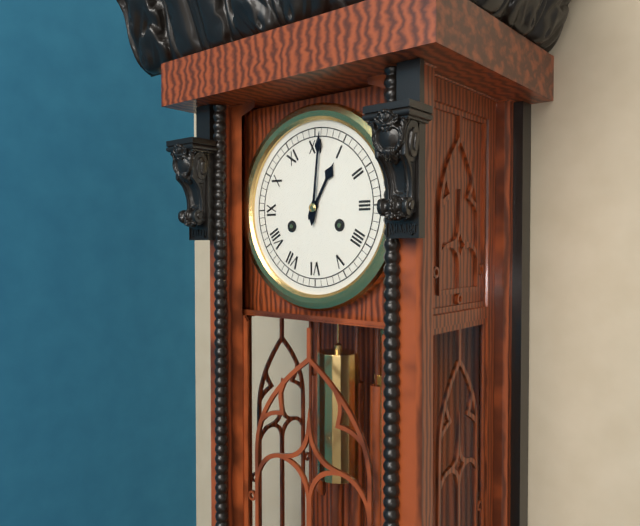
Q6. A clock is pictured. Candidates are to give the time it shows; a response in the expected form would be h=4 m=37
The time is h=1 m=1
